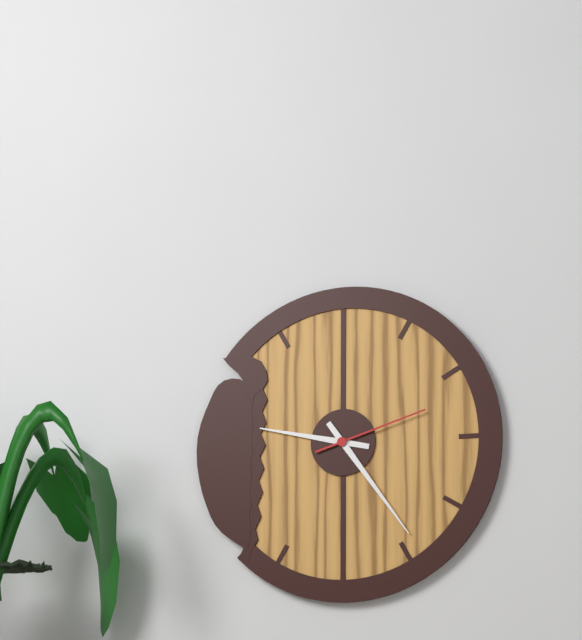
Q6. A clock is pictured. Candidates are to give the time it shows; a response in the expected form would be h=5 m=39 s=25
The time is h=9 m=24 s=12
